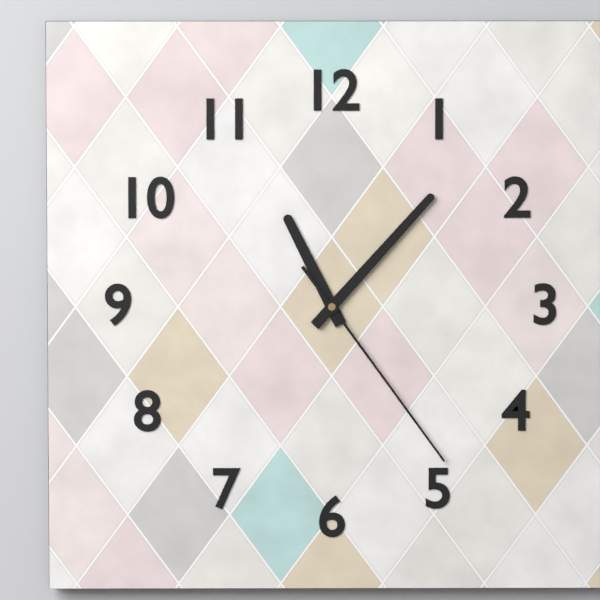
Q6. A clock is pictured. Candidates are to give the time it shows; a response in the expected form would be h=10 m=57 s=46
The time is h=11 m=7 s=24
